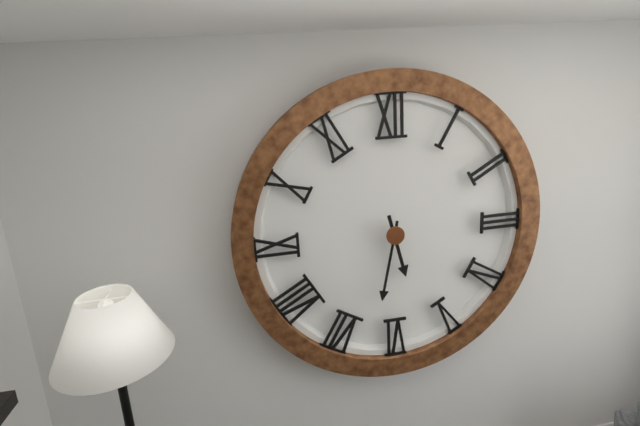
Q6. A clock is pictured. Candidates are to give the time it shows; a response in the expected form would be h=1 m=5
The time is h=5 m=32
